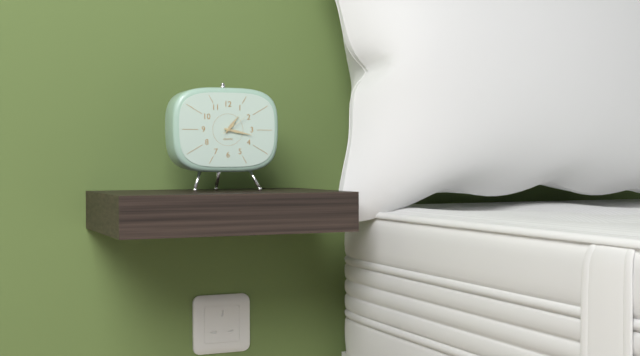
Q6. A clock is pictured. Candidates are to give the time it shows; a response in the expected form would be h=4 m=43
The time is h=1 m=17
